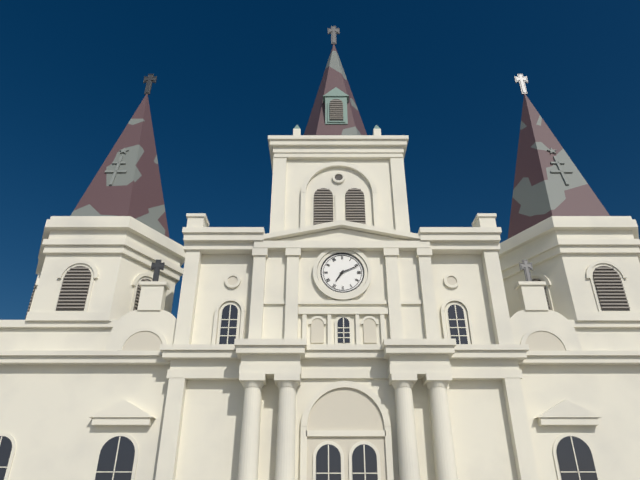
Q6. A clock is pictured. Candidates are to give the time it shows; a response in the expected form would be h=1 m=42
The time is h=7 m=11
